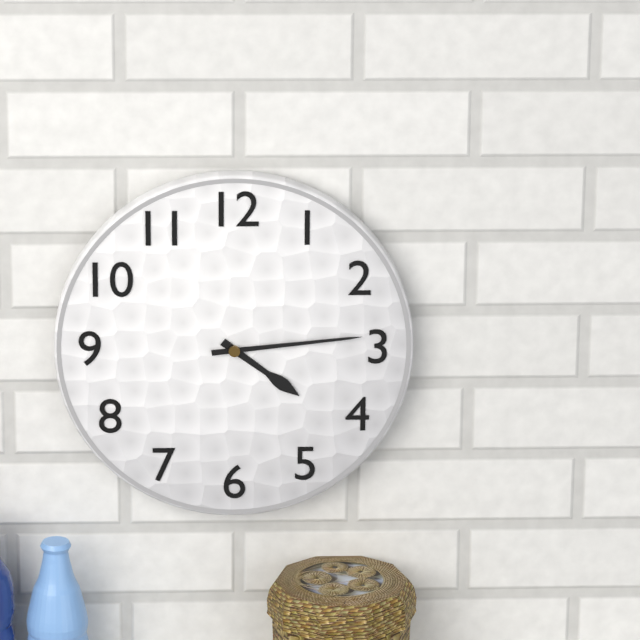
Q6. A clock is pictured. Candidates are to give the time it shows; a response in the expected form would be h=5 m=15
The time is h=4 m=14
